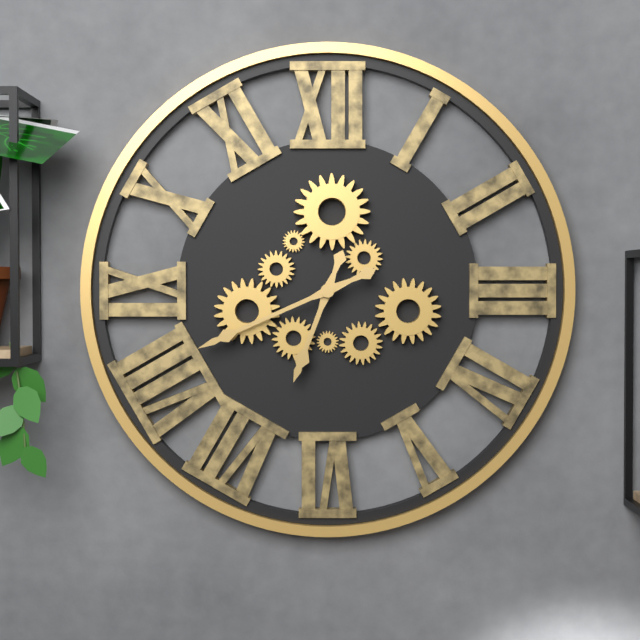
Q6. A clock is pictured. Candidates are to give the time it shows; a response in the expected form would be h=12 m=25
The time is h=6 m=41
